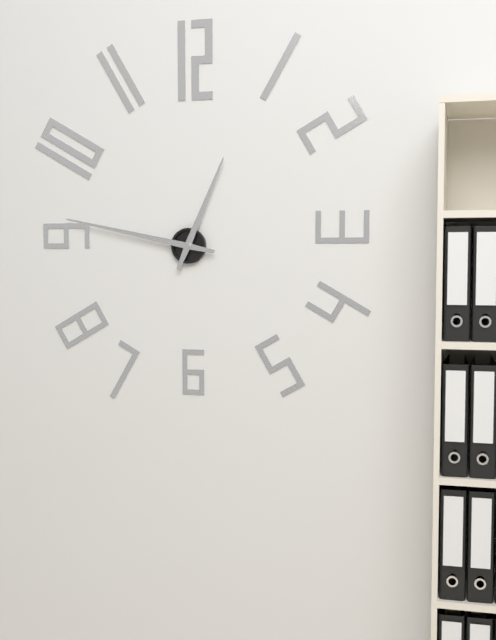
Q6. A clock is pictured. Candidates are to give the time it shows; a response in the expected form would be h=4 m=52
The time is h=12 m=47
